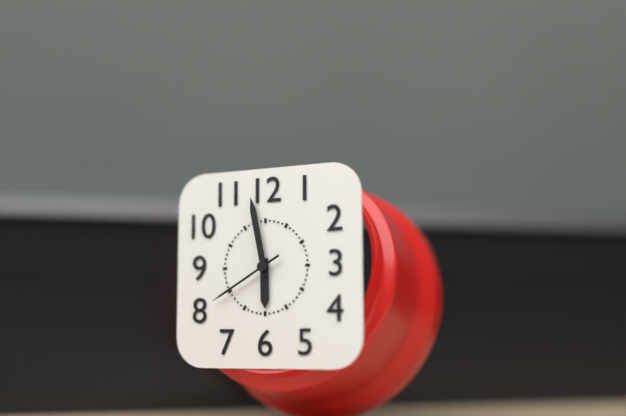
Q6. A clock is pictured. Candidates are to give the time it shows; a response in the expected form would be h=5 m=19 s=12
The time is h=5 m=58 s=40
